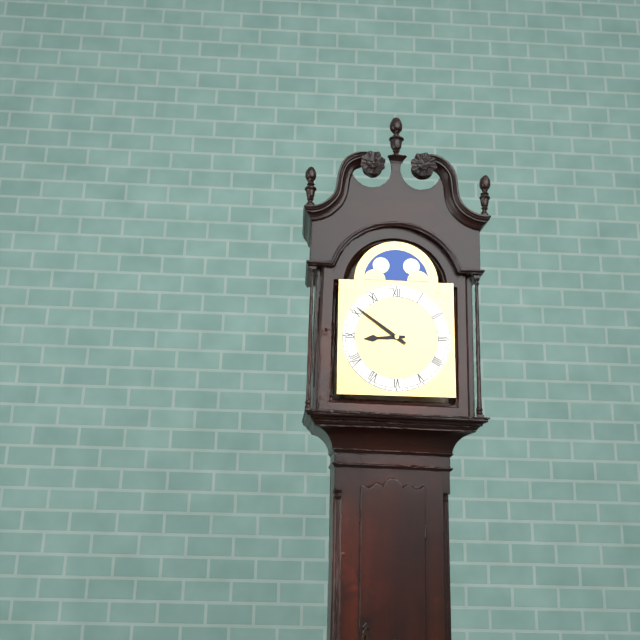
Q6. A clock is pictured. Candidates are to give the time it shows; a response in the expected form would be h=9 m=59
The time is h=8 m=51
